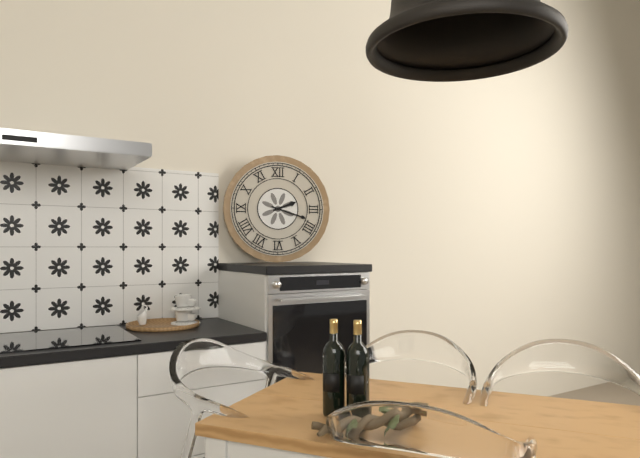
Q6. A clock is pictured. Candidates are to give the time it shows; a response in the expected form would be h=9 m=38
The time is h=2 m=18
